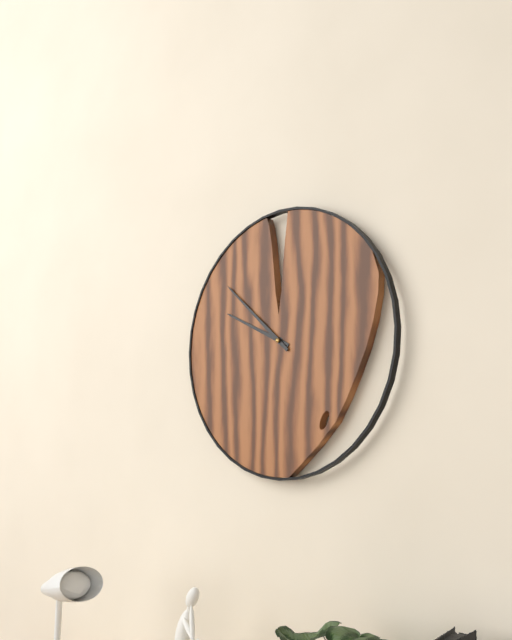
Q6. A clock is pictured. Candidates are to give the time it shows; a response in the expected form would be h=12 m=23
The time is h=9 m=52
